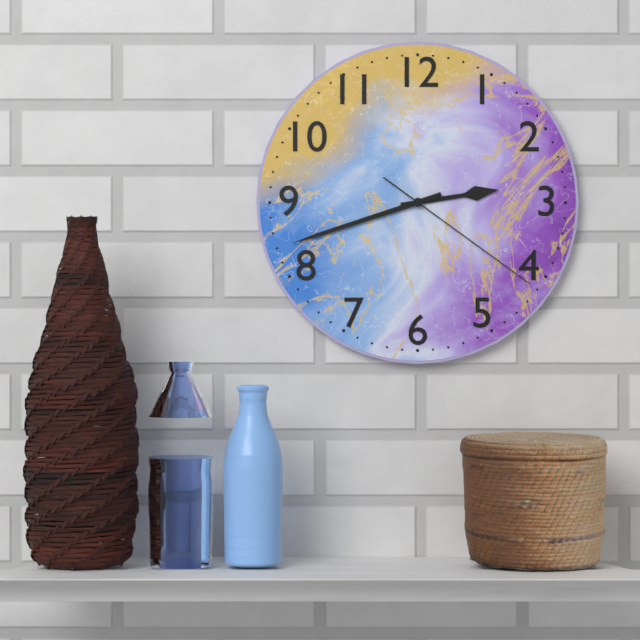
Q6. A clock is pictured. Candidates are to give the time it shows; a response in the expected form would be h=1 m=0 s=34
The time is h=2 m=42 s=21
